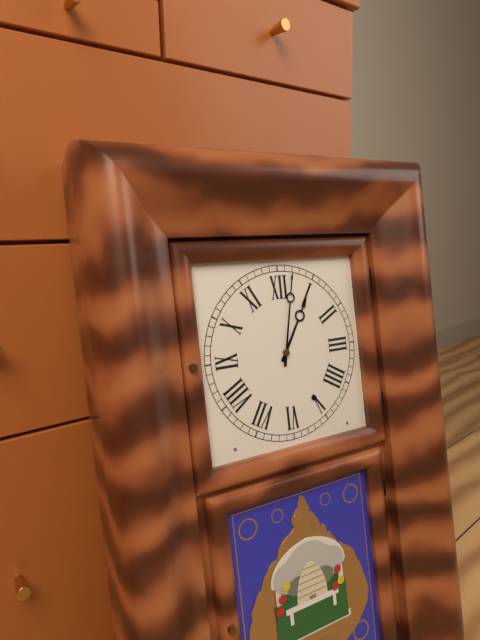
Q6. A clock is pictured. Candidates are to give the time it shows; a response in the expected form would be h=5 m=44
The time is h=1 m=2
